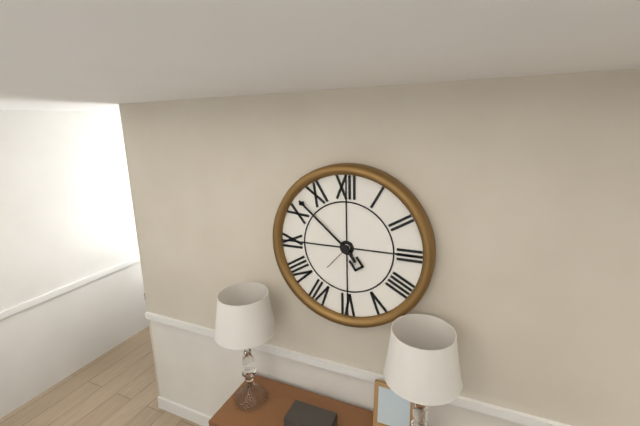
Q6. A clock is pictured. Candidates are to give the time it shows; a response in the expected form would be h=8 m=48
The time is h=4 m=52
